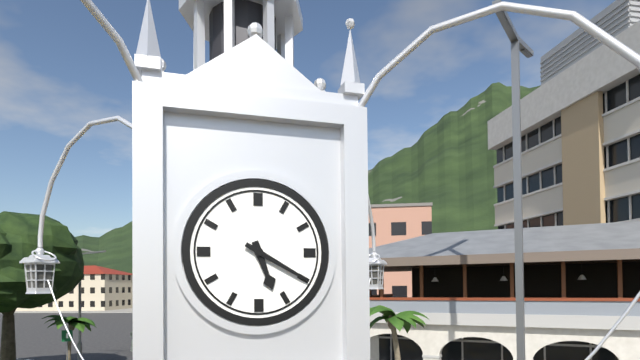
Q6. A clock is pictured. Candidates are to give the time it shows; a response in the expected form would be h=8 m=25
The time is h=5 m=20
